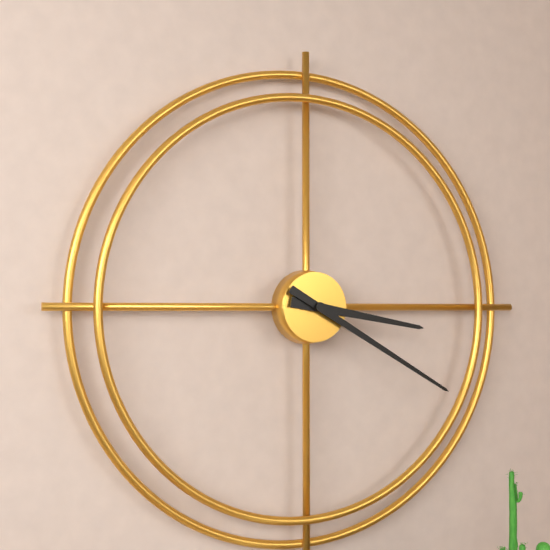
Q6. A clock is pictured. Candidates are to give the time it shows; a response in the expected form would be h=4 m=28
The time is h=3 m=20
